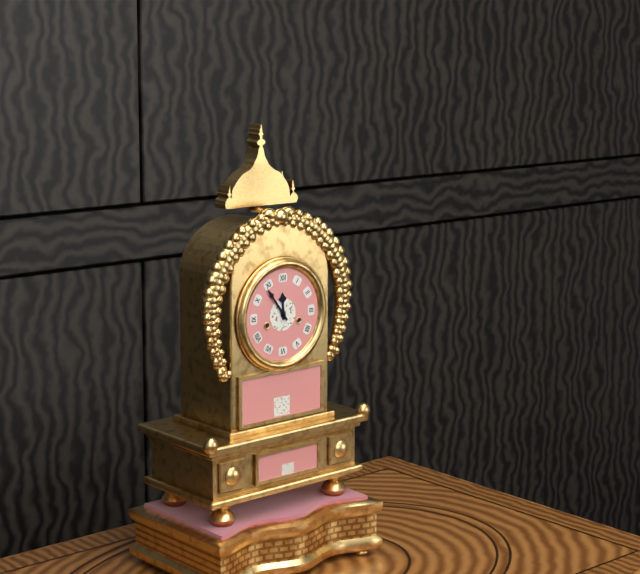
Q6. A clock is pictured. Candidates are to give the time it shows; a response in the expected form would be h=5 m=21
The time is h=11 m=54
